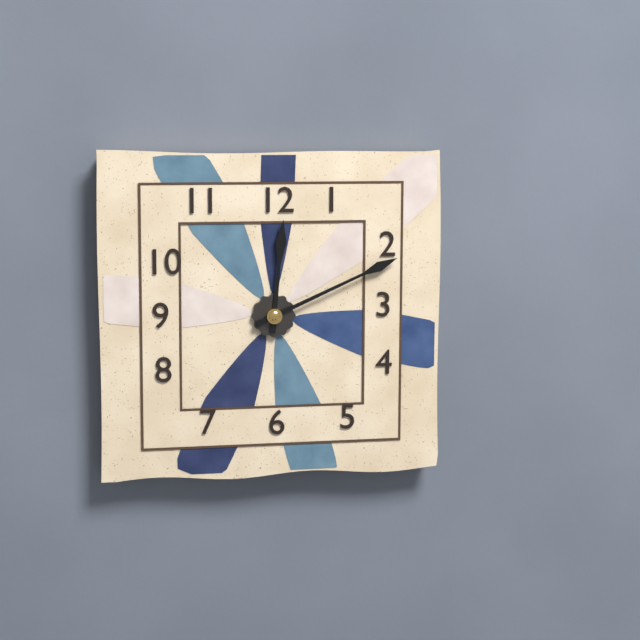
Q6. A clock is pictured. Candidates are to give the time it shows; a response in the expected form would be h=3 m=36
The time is h=12 m=11
